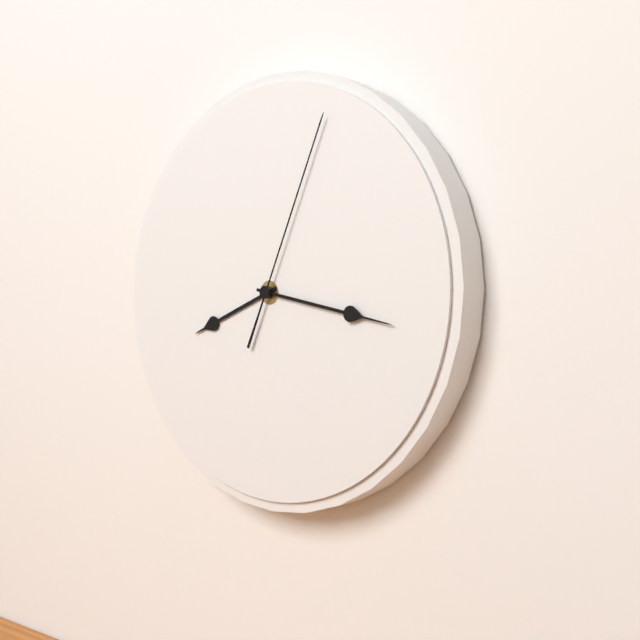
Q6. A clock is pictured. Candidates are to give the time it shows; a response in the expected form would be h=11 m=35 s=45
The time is h=8 m=17 s=4
